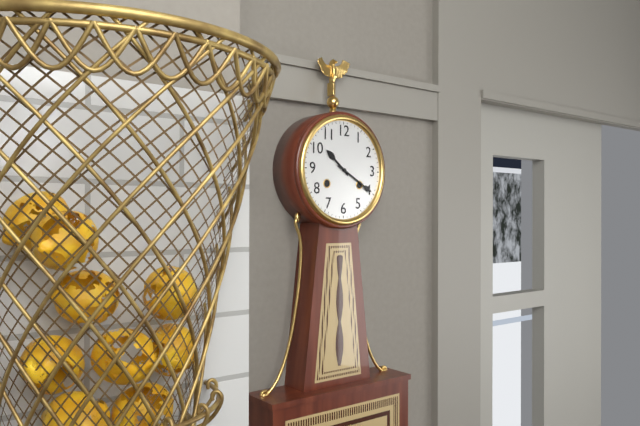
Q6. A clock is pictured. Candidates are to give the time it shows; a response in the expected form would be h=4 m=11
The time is h=10 m=20
